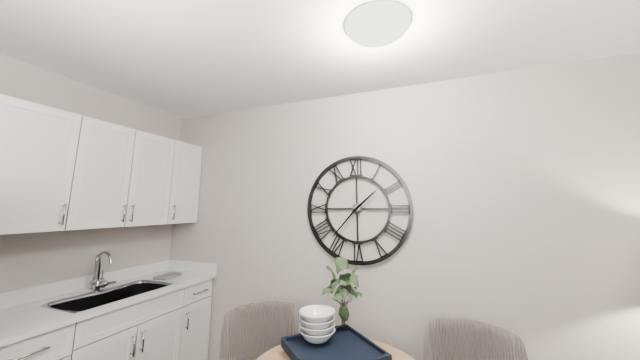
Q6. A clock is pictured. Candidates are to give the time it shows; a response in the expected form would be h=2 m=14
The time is h=1 m=37
